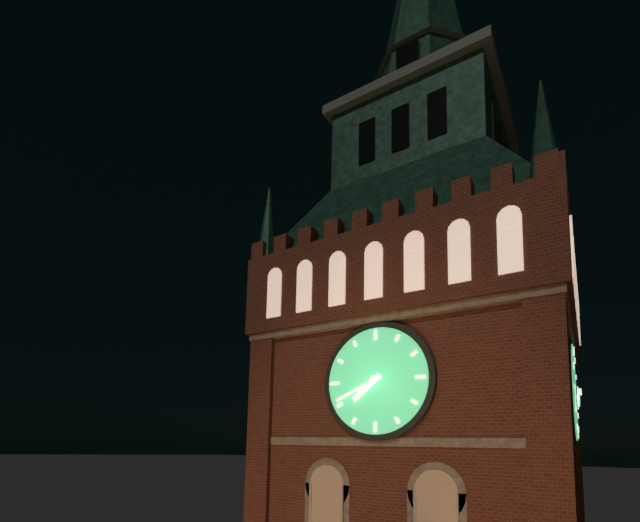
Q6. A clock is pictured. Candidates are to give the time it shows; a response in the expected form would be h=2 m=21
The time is h=7 m=41
